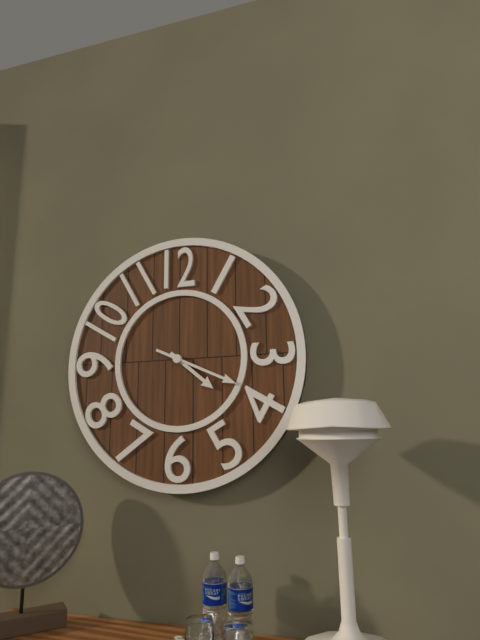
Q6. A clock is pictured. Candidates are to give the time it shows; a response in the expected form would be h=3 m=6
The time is h=4 m=19
